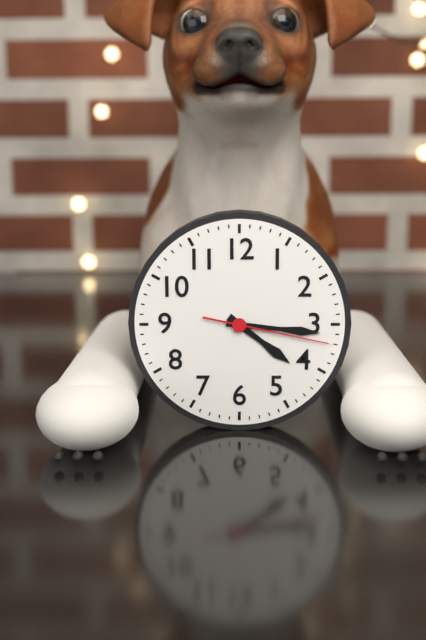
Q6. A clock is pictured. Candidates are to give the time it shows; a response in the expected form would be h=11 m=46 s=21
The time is h=4 m=16 s=17
